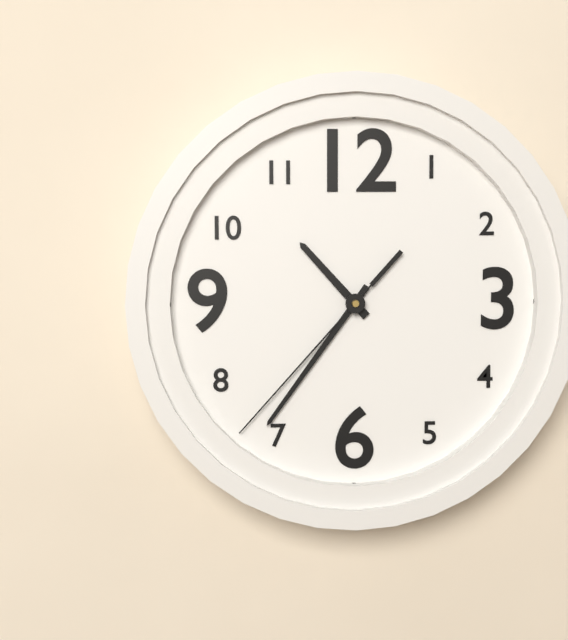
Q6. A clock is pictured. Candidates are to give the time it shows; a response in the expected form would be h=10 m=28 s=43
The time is h=10 m=36 s=37
